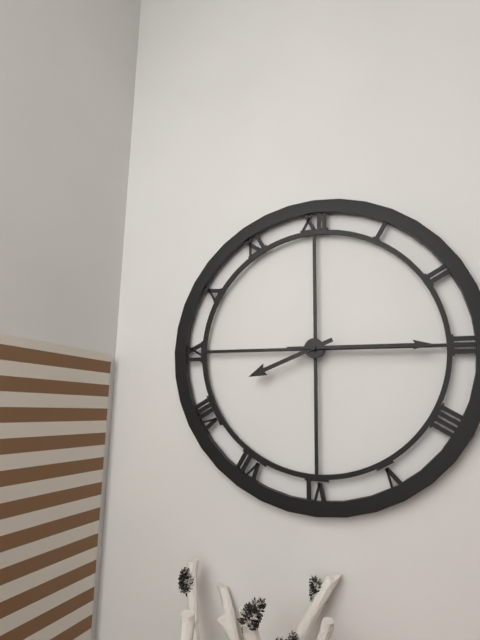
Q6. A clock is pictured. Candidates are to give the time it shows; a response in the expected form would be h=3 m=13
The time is h=8 m=15
